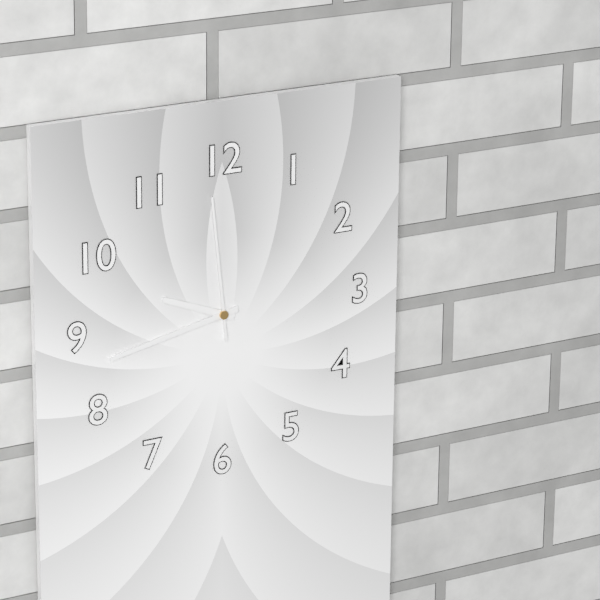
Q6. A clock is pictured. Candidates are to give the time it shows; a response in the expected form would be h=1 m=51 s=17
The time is h=9 m=43 s=59
